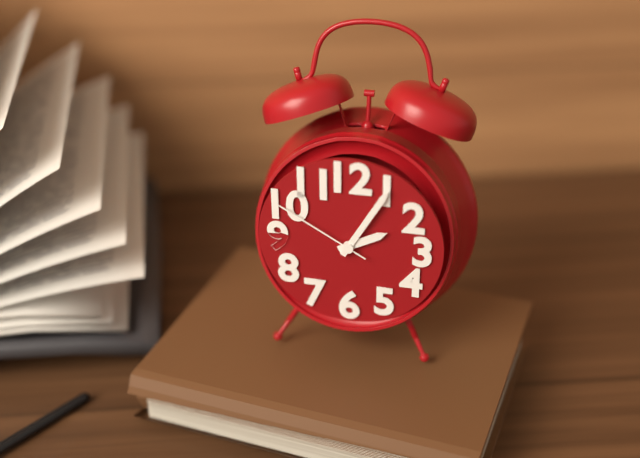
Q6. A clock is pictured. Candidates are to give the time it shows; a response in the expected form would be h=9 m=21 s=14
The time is h=2 m=5 s=50
